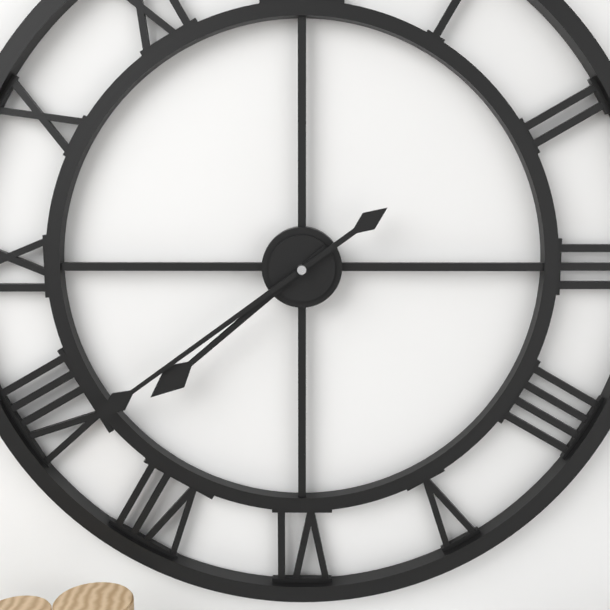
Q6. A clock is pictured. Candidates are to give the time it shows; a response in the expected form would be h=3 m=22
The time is h=7 m=39
